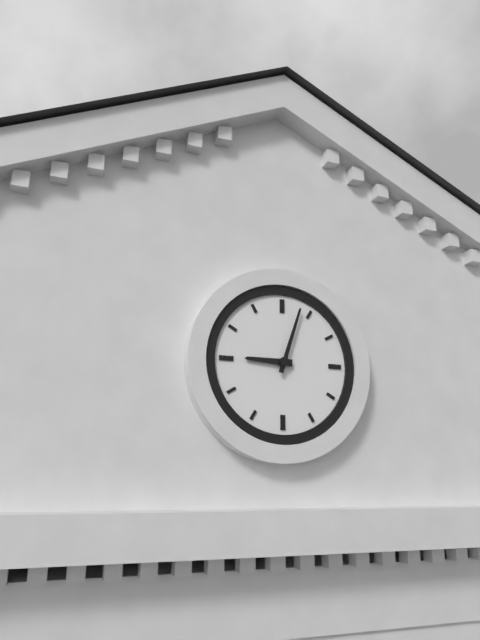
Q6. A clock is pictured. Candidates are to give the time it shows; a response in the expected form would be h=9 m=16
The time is h=9 m=3
